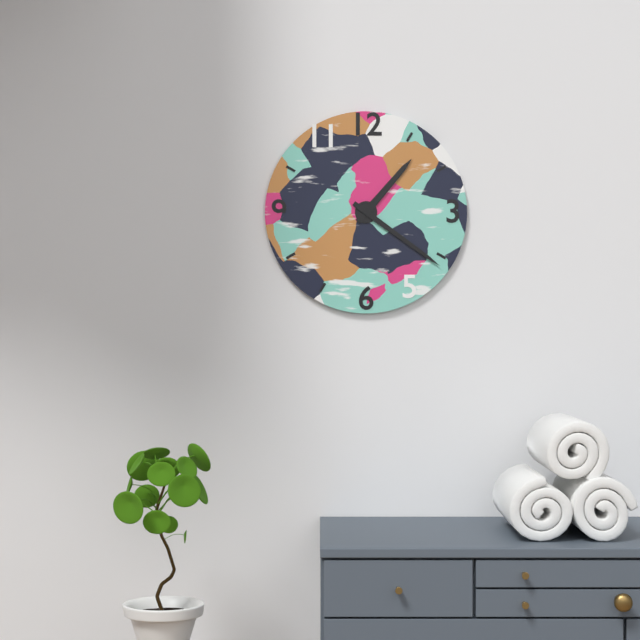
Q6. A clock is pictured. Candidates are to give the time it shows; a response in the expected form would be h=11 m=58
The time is h=1 m=21
